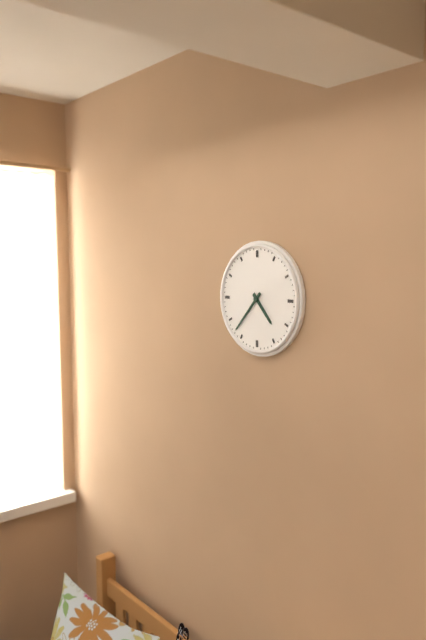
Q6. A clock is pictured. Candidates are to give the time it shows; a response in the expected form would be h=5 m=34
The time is h=4 m=37
